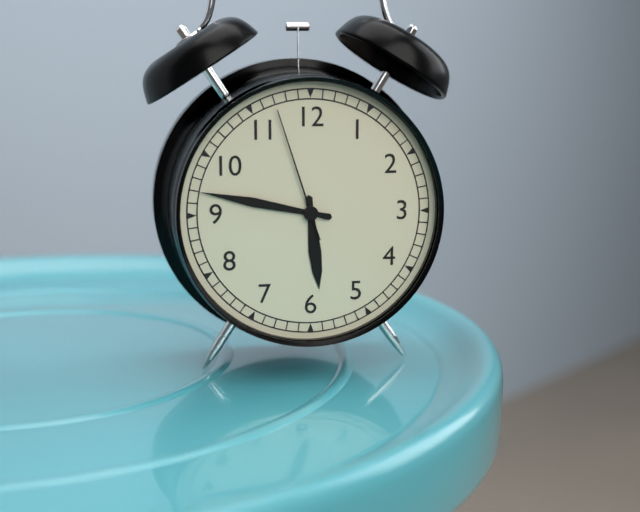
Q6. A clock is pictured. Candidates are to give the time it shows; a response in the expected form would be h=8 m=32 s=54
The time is h=5 m=47 s=57
